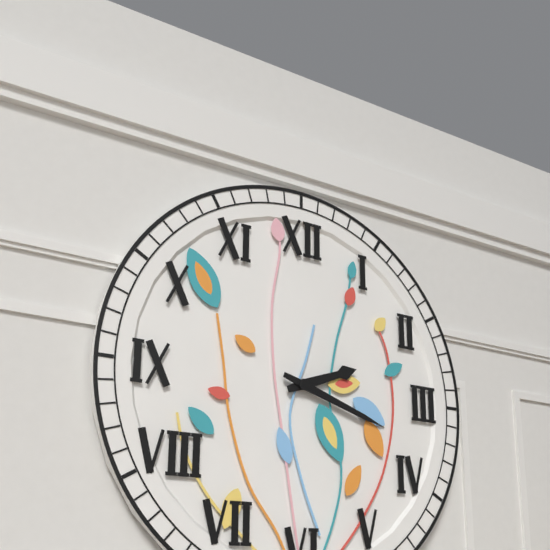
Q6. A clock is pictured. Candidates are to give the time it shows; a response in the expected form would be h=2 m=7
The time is h=2 m=18
